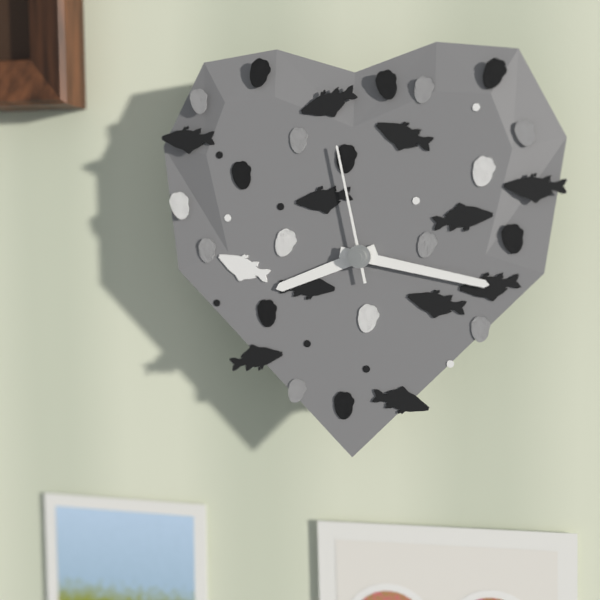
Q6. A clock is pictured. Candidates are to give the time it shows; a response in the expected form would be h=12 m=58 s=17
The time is h=8 m=17 s=58
